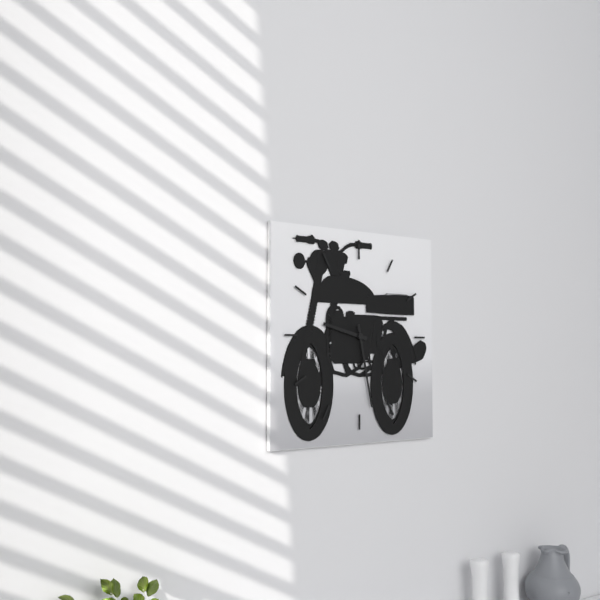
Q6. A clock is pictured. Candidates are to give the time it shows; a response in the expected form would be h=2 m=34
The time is h=9 m=28
